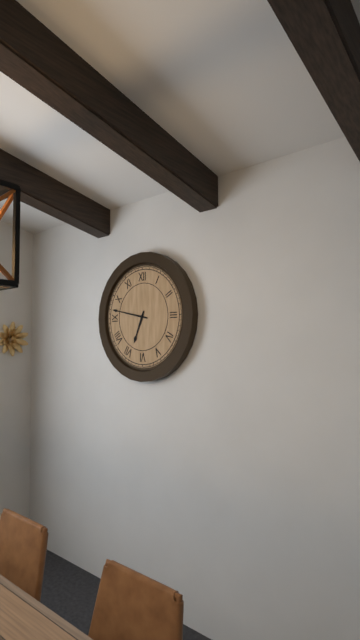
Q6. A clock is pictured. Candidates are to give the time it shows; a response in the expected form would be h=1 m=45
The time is h=6 m=47
